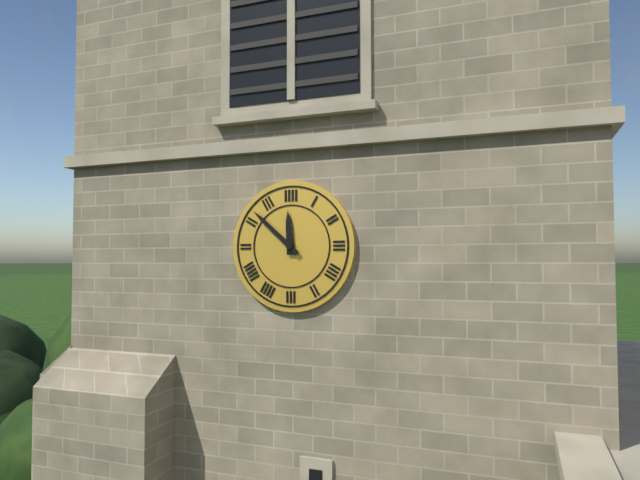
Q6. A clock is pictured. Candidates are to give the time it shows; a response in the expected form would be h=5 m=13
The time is h=11 m=52
